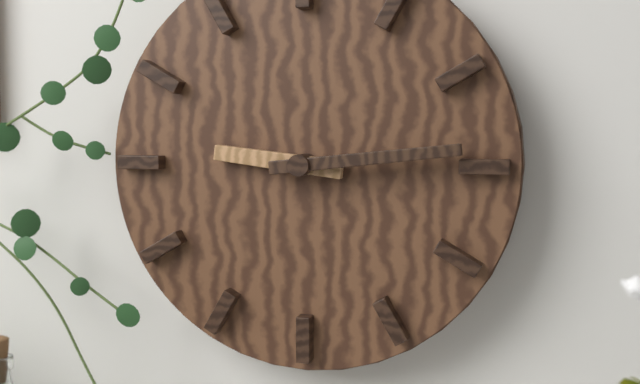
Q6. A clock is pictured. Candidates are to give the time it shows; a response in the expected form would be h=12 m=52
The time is h=9 m=14
